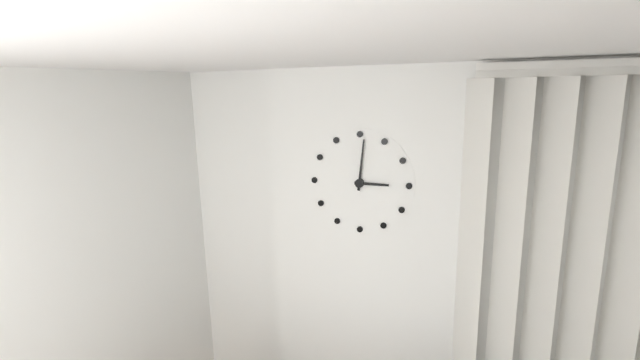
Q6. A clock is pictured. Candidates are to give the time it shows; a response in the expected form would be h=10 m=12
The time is h=3 m=1
